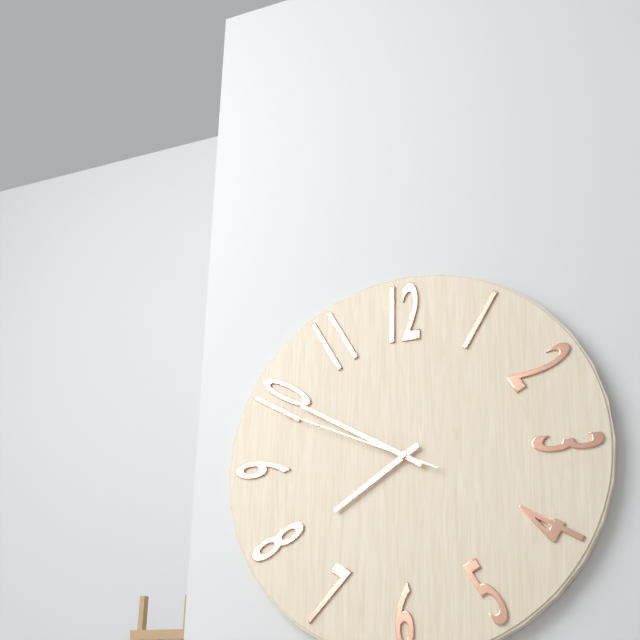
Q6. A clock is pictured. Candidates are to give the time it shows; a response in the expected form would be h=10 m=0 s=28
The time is h=7 m=50 s=49
